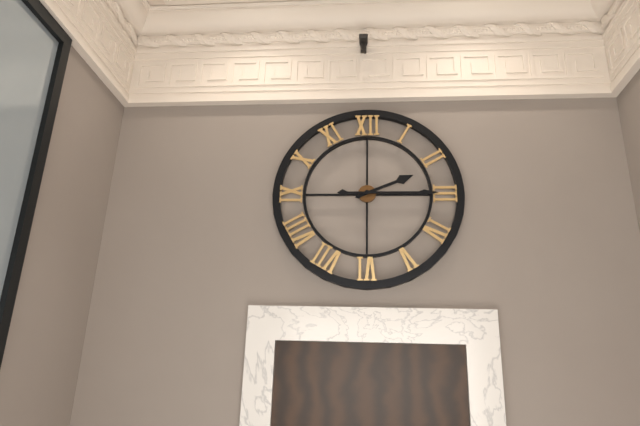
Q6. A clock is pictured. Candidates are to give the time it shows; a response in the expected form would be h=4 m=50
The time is h=2 m=15
